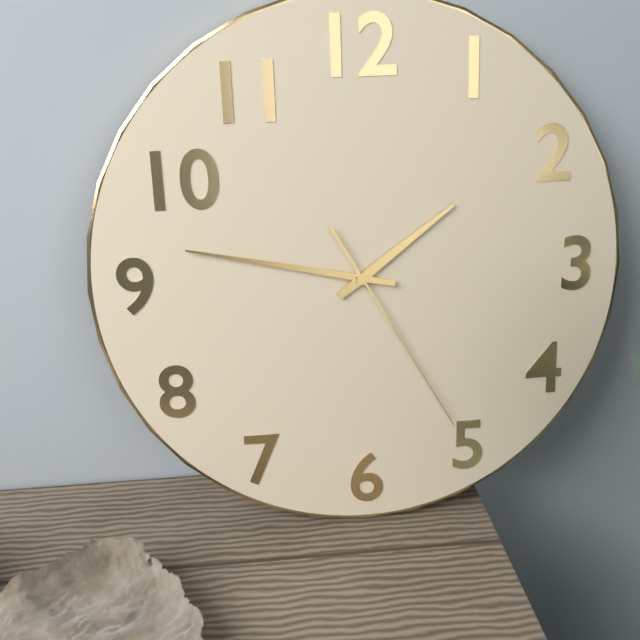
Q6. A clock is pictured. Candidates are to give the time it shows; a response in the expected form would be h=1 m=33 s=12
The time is h=1 m=47 s=25
